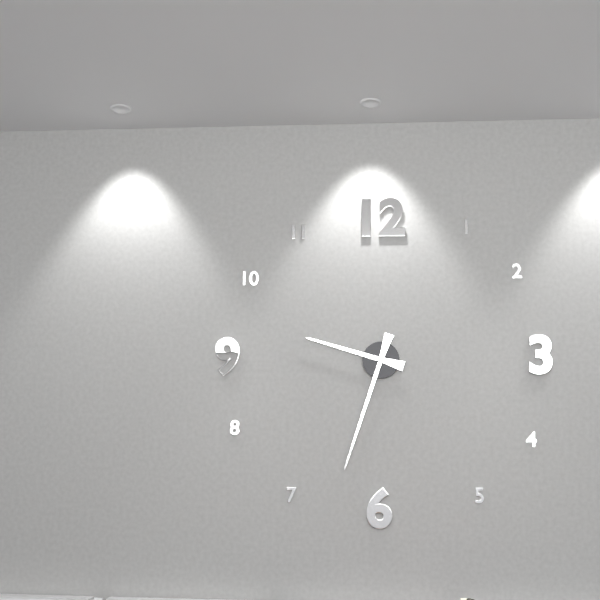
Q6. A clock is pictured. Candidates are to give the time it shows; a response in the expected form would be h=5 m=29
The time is h=9 m=33
